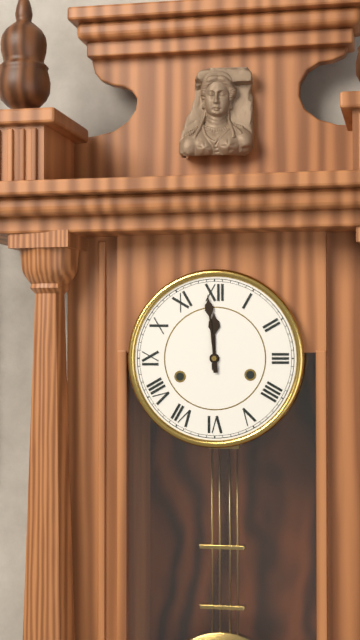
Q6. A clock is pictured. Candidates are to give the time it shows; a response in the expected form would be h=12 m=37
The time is h=11 m=59
